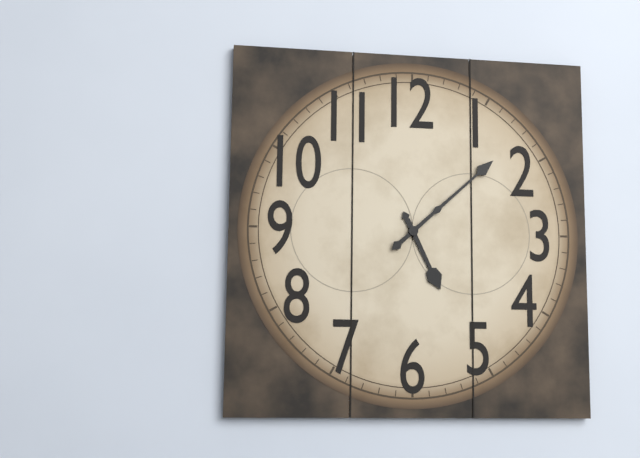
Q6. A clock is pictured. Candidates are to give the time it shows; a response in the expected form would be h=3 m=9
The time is h=5 m=8
